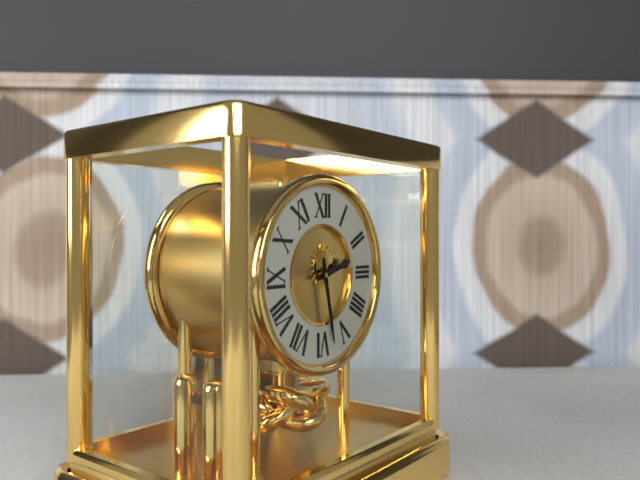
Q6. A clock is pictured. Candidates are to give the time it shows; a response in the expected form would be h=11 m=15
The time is h=2 m=28
